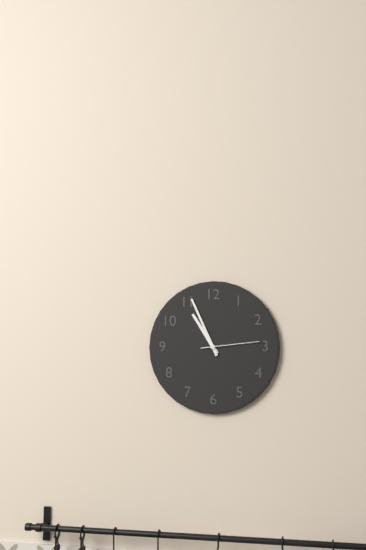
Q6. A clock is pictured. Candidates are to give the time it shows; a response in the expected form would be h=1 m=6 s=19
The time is h=10 m=56 s=14
